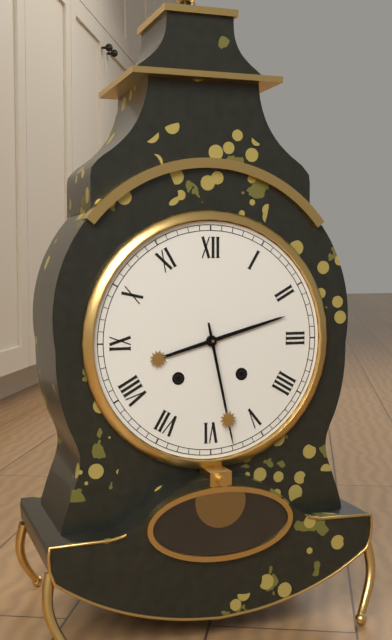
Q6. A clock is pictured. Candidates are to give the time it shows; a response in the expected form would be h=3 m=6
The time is h=2 m=28
